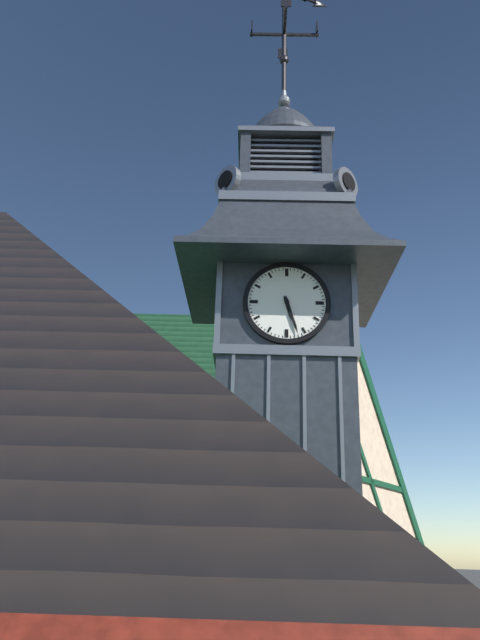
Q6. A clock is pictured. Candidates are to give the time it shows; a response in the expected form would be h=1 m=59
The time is h=5 m=27
